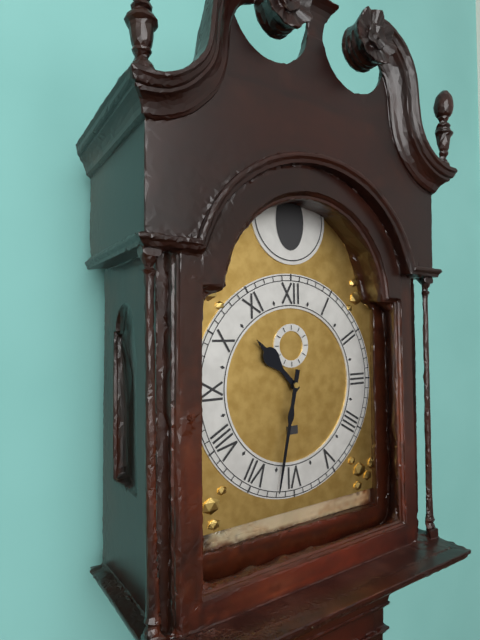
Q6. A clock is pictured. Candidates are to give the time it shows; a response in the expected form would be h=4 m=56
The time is h=10 m=32
